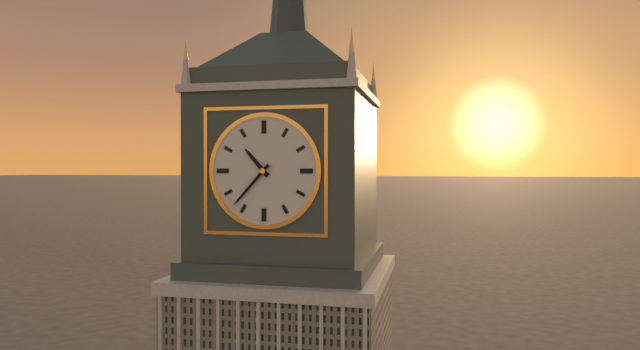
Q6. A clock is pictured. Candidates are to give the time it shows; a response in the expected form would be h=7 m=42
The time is h=10 m=37
